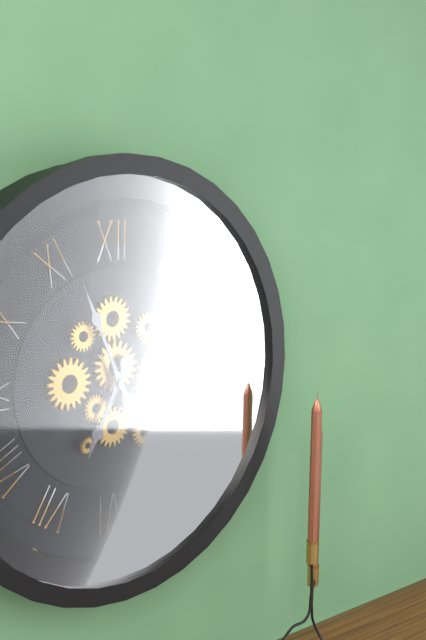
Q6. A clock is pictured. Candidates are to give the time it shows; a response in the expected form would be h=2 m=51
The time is h=6 m=56
